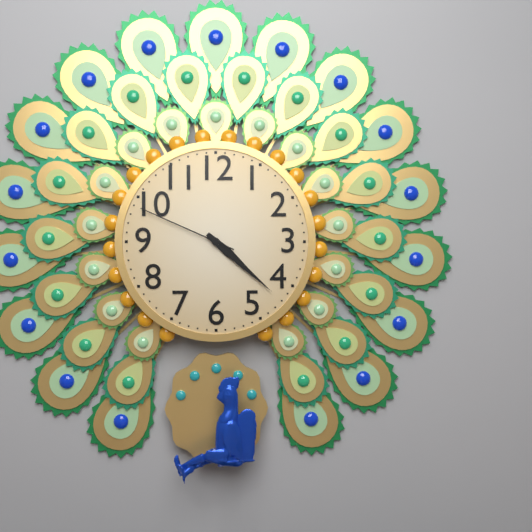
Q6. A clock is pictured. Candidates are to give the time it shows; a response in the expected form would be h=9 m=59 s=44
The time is h=4 m=22 s=49
